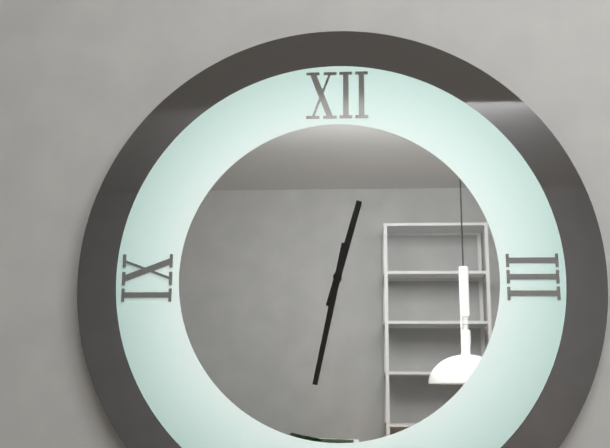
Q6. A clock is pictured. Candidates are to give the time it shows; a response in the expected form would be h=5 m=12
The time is h=12 m=32
